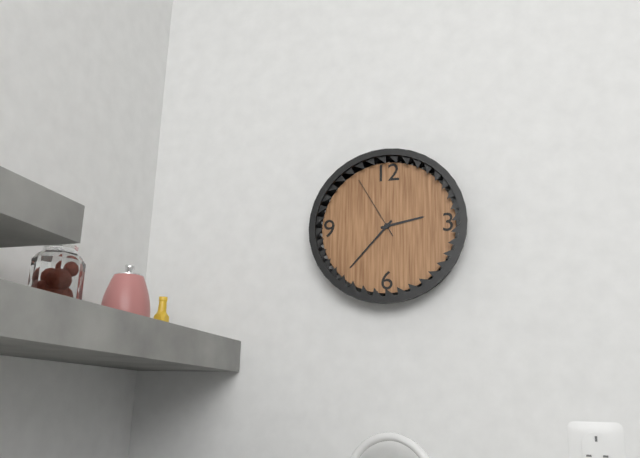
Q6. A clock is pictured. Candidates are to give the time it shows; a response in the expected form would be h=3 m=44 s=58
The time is h=2 m=37 s=55
